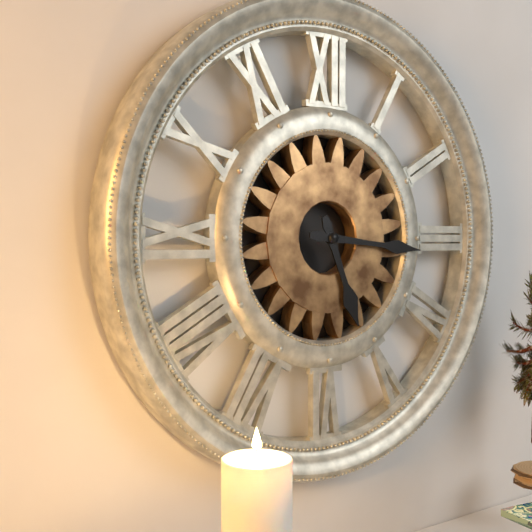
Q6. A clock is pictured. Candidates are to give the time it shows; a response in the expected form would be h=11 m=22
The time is h=5 m=16
